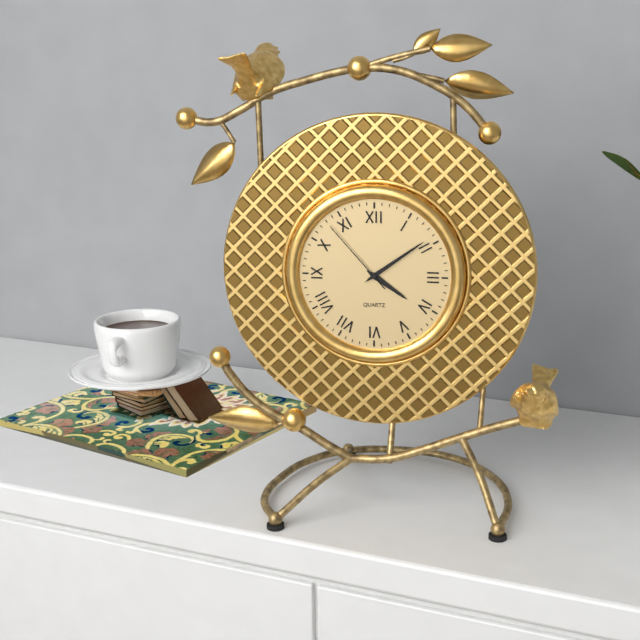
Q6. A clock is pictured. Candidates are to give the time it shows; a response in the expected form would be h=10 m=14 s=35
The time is h=4 m=9 s=53
